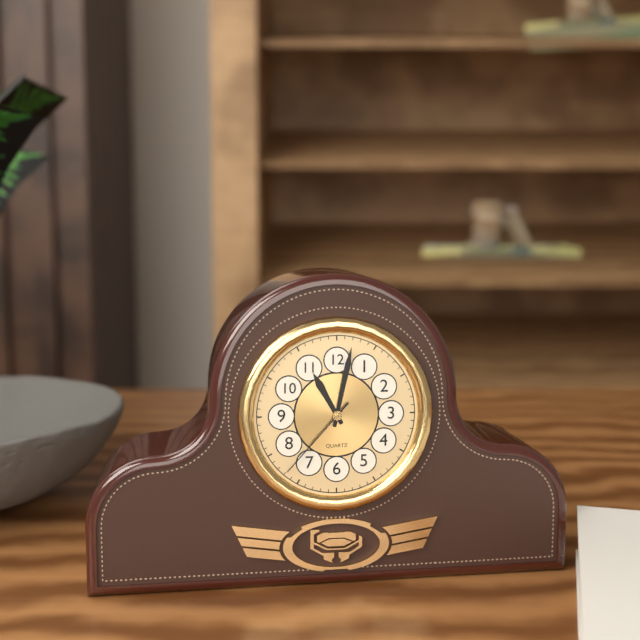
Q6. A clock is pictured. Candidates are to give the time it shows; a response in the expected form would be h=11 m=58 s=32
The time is h=11 m=2 s=37
